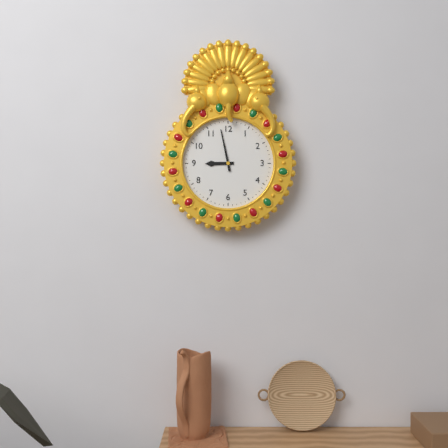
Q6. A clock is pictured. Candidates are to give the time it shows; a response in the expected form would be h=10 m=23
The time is h=8 m=58
